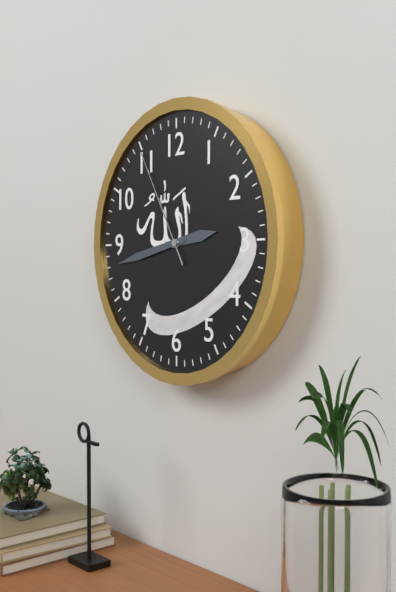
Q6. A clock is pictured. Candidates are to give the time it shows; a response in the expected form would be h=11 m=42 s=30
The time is h=2 m=43 s=55
